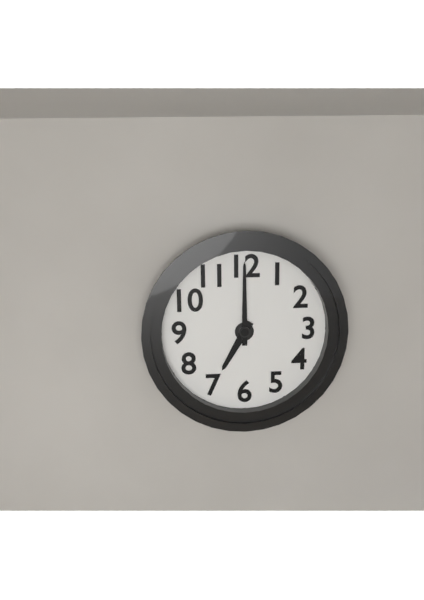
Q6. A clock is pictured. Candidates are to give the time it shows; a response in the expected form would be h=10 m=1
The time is h=7 m=0
